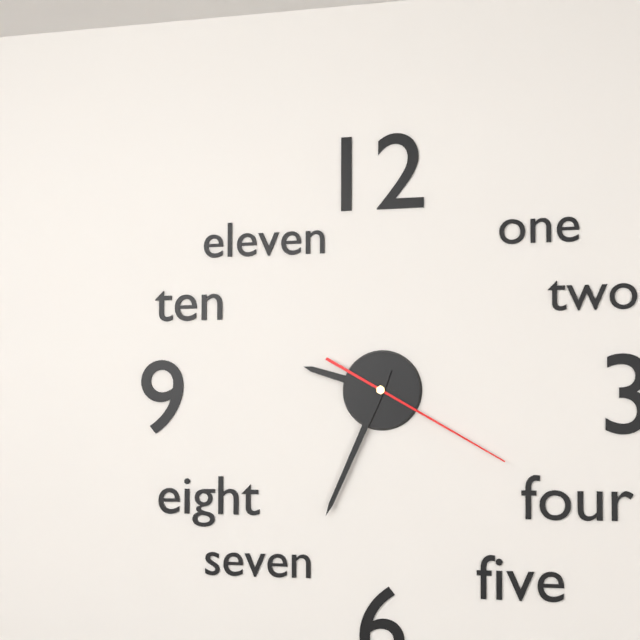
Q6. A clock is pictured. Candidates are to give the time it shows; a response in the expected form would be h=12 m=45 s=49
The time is h=9 m=34 s=20
